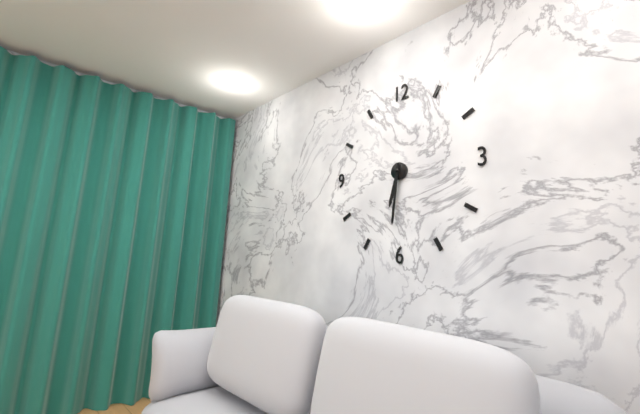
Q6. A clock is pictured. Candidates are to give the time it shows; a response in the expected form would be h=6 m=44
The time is h=6 m=31
